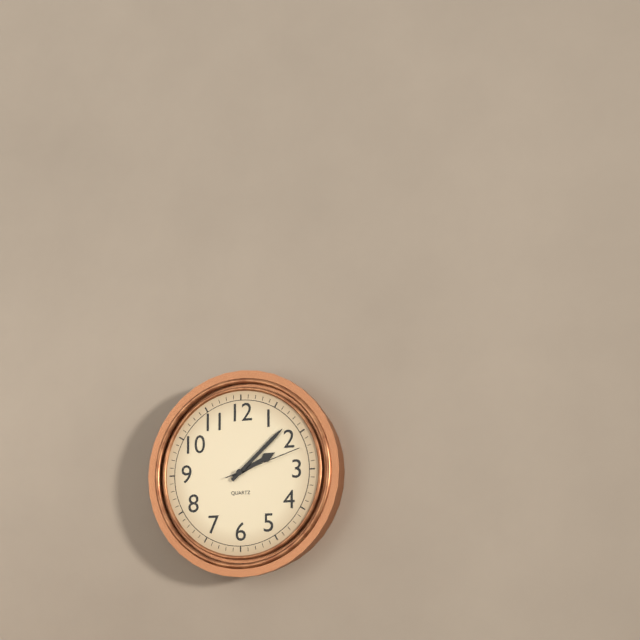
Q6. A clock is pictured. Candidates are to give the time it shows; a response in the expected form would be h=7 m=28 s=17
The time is h=2 m=8 s=12
